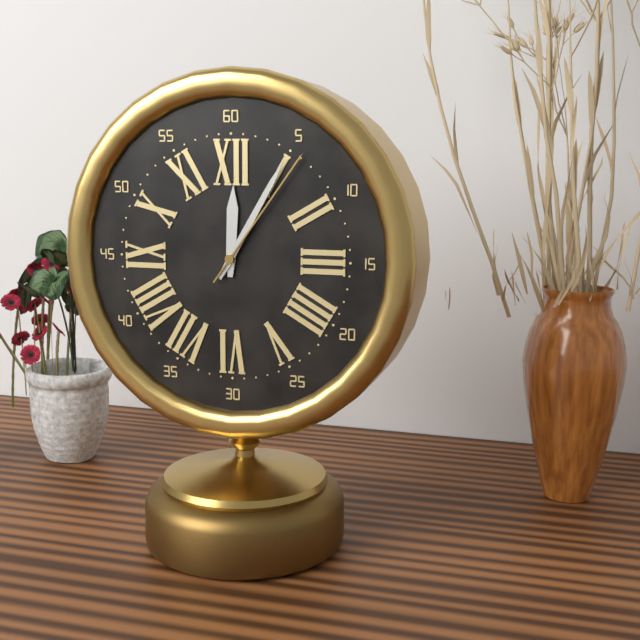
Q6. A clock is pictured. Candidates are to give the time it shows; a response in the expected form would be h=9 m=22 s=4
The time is h=12 m=5 s=6
